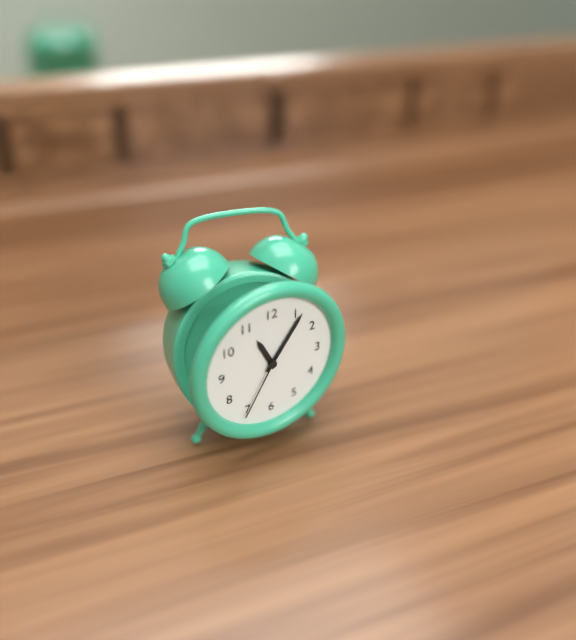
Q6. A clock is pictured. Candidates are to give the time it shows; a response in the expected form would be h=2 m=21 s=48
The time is h=11 m=6 s=35
